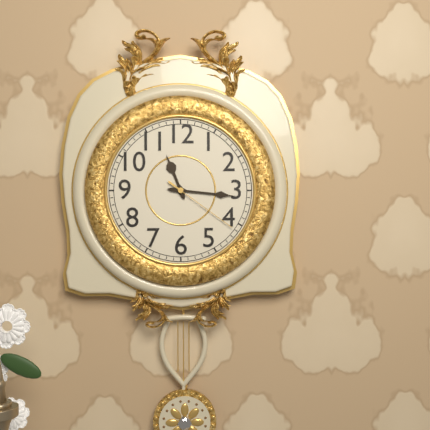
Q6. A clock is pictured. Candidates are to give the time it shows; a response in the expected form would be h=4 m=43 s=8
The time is h=11 m=16 s=21
